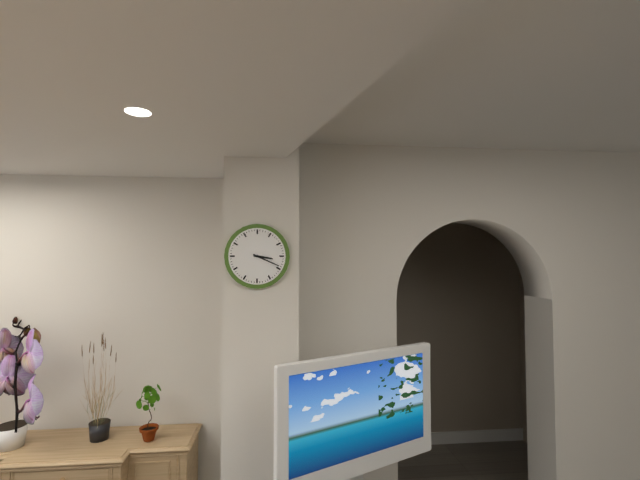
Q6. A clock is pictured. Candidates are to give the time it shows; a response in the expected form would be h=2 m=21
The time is h=3 m=19
